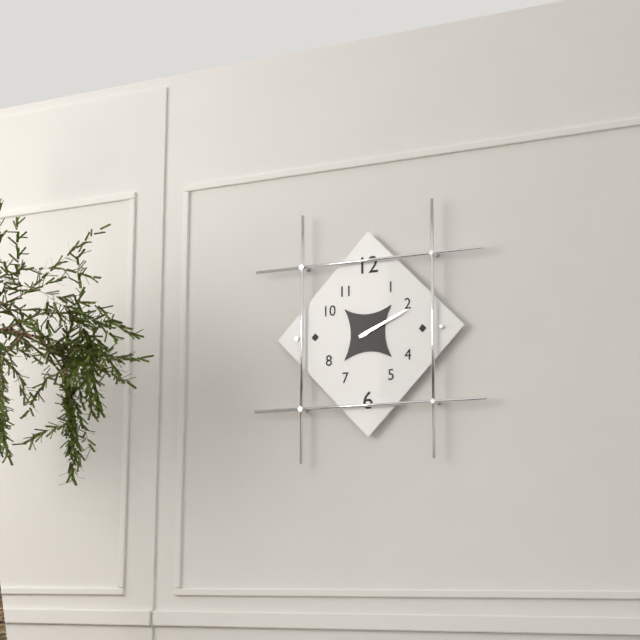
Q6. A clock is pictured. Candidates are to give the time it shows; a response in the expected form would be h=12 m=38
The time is h=2 m=11
